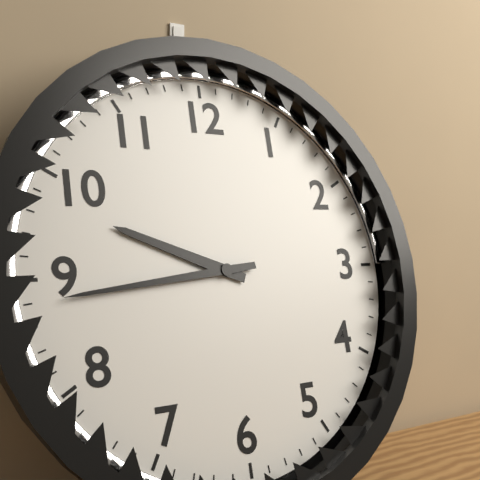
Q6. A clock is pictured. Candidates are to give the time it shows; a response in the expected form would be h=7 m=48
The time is h=9 m=44
